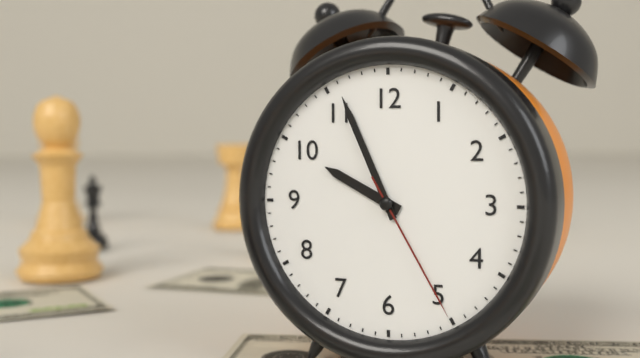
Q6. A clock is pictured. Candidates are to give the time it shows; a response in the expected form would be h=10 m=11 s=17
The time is h=9 m=56 s=25
